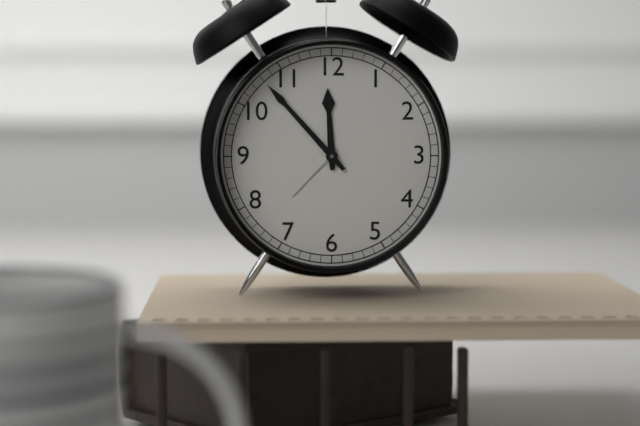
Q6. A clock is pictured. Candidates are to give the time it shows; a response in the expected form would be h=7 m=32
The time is h=11 m=53
